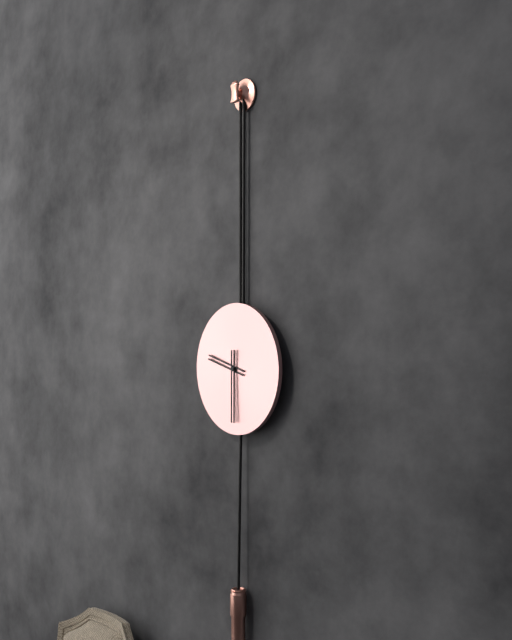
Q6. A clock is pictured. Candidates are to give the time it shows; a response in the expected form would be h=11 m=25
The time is h=9 m=30
